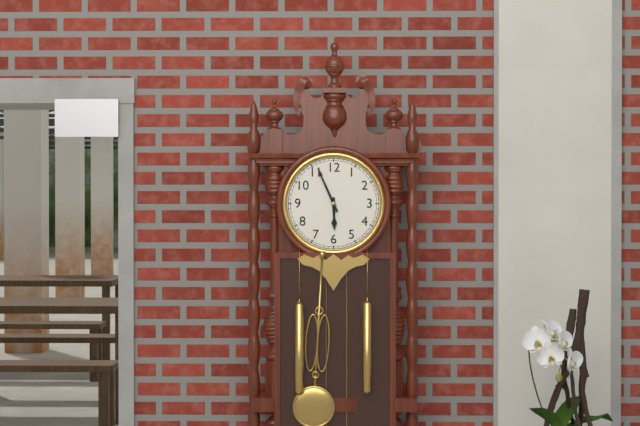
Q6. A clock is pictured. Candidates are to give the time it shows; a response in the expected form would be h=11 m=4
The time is h=5 m=56
